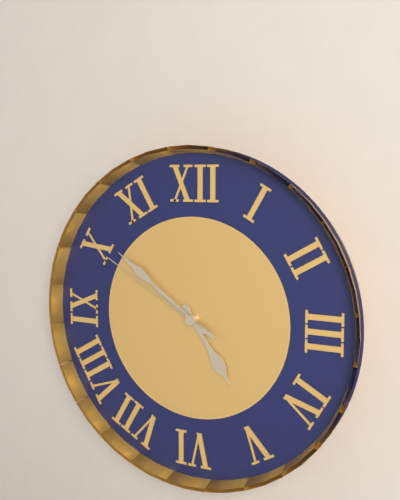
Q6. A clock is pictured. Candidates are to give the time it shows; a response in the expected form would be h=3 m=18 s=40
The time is h=4 m=51 s=50
